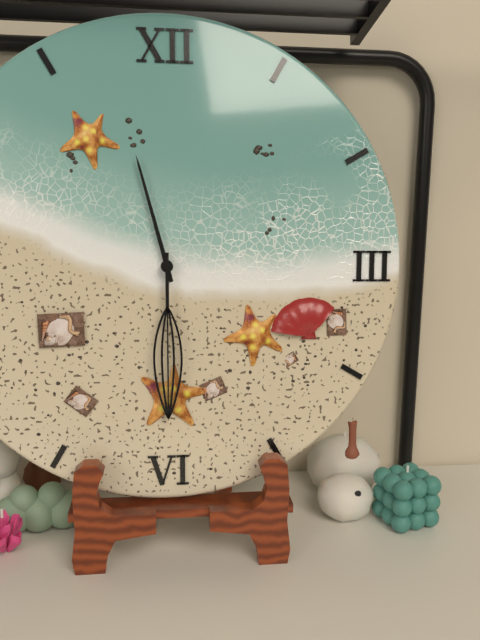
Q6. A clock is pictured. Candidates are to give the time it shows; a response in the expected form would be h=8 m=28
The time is h=11 m=30
